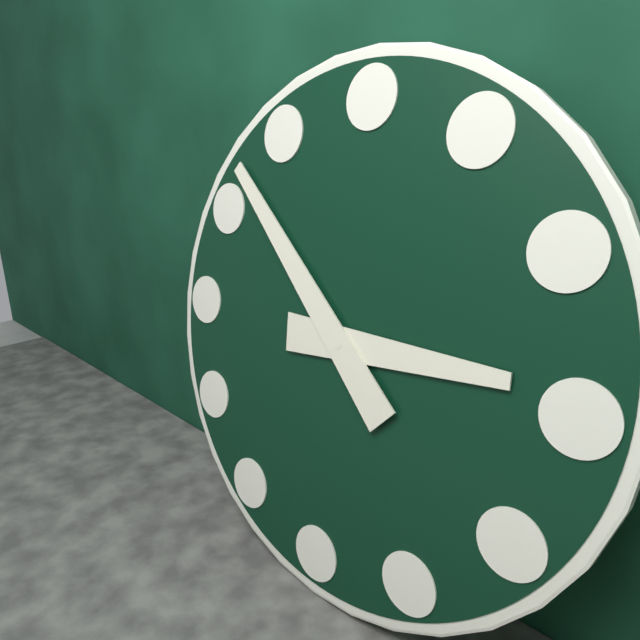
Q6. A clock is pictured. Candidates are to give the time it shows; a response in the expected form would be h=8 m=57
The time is h=2 m=52
